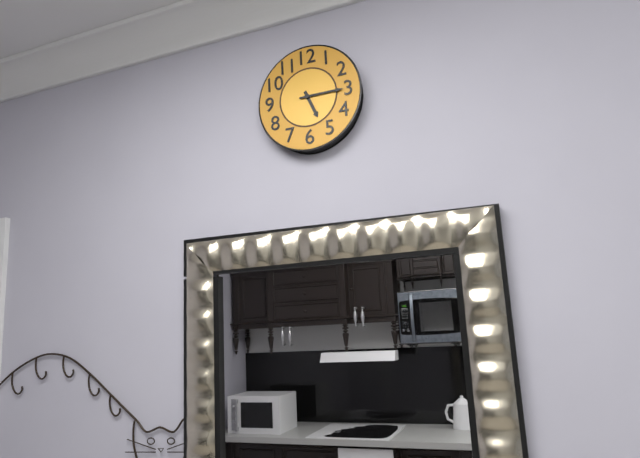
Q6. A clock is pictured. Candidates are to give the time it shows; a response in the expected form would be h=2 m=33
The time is h=5 m=15
